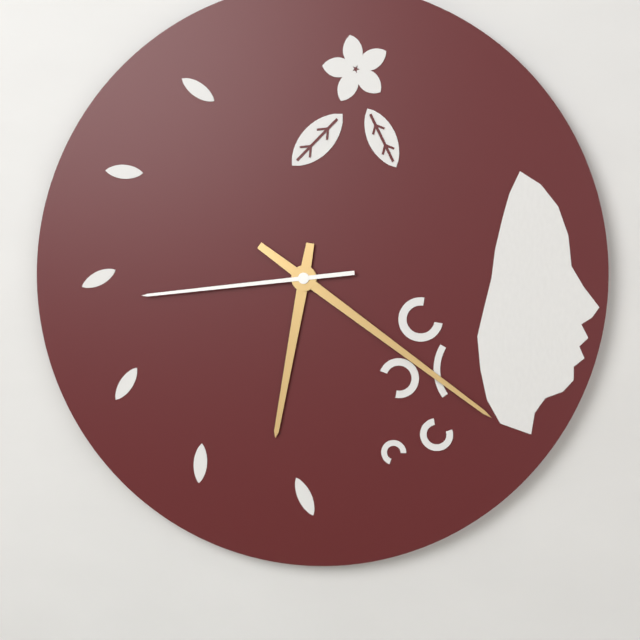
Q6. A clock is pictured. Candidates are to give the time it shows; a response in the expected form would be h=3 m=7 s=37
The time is h=6 m=21 s=44
